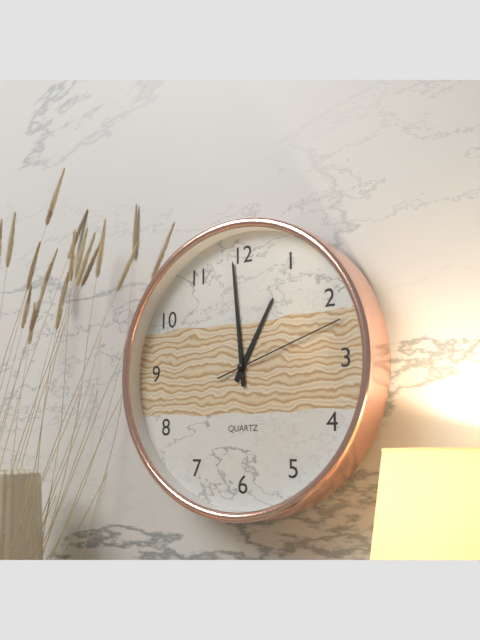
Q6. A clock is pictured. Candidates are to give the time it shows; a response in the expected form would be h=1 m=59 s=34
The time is h=12 m=59 s=12
